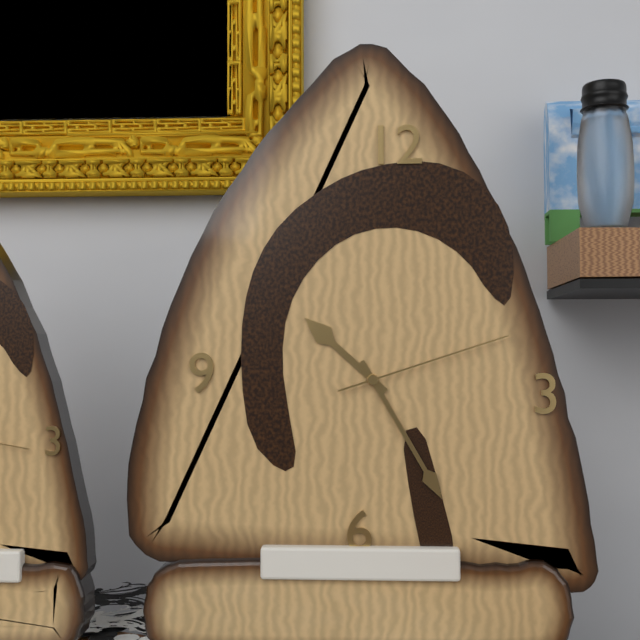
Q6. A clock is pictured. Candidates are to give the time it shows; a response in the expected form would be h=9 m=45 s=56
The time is h=10 m=25 s=12
